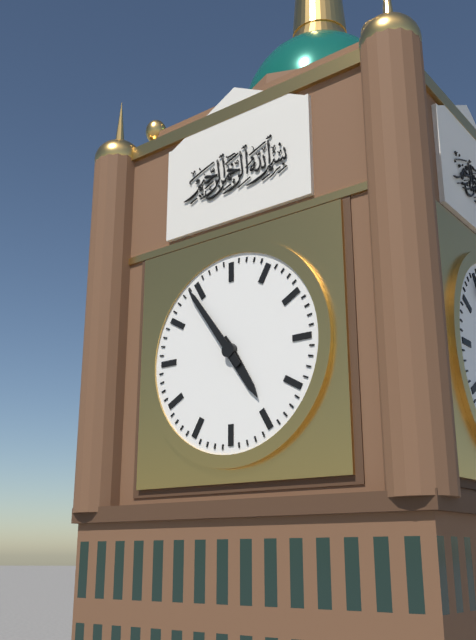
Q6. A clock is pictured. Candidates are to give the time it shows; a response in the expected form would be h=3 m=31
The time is h=4 m=54
